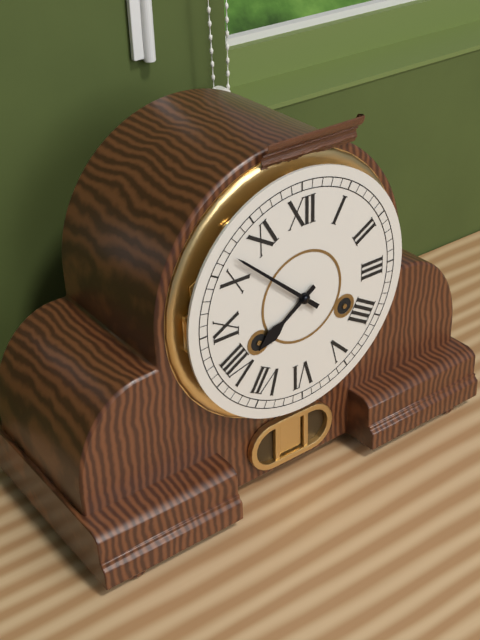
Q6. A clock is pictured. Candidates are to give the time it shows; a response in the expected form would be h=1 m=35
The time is h=7 m=52
